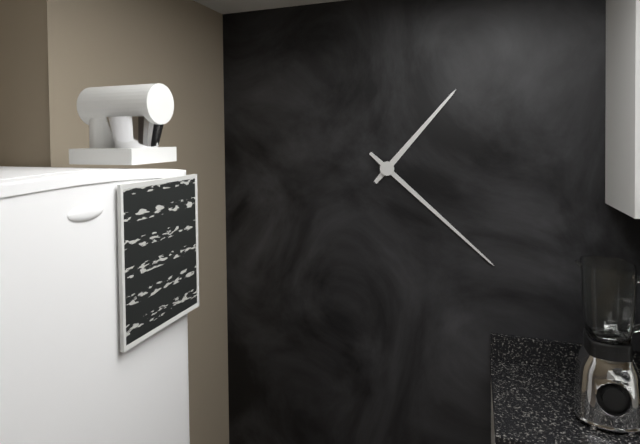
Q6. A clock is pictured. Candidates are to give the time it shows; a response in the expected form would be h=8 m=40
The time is h=1 m=22
